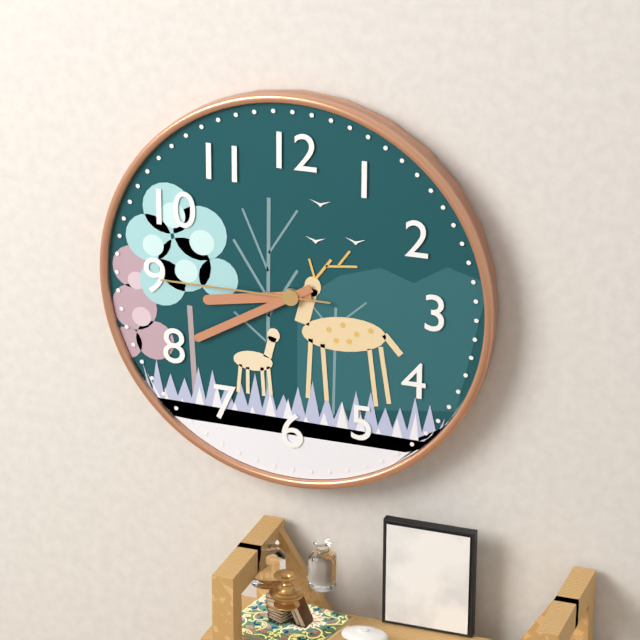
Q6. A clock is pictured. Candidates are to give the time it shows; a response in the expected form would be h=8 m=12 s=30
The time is h=8 m=40 s=45
